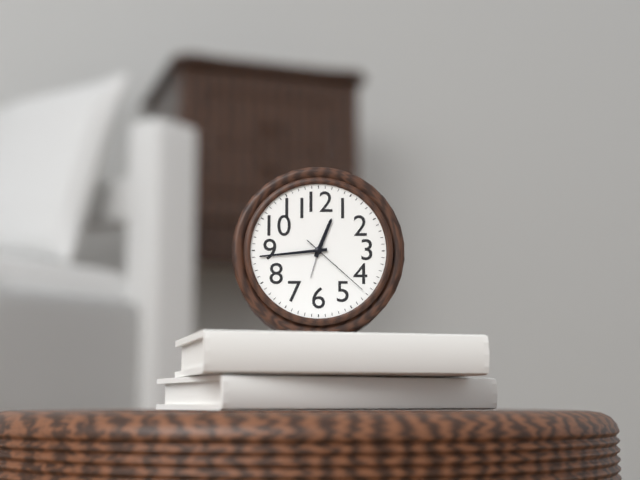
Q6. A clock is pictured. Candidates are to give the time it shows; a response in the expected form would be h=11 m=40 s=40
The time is h=12 m=44 s=22
